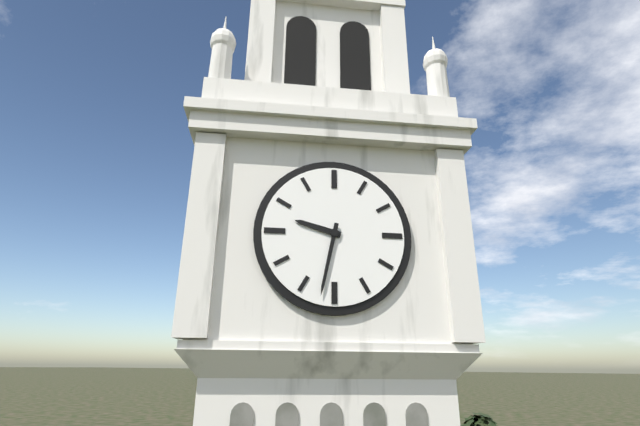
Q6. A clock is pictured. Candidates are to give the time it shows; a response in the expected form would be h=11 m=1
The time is h=9 m=32
